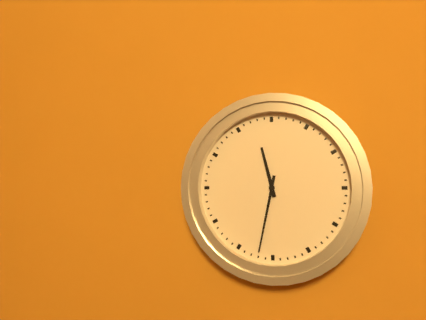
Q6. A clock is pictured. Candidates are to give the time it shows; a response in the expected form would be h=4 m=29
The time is h=11 m=32
